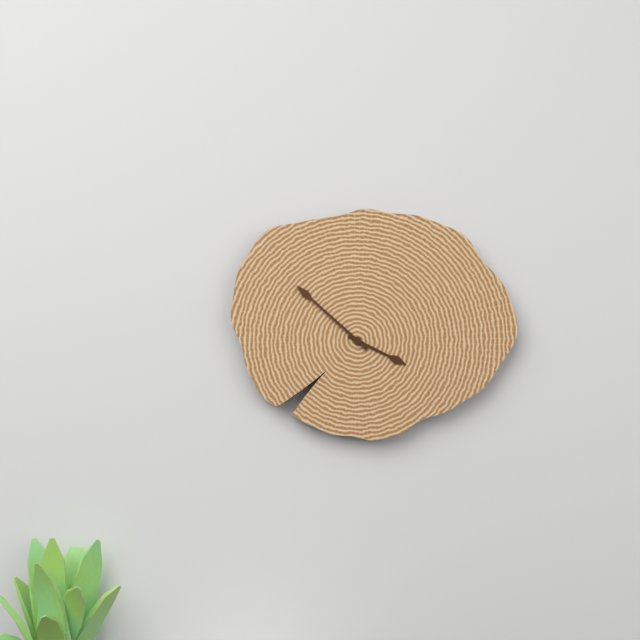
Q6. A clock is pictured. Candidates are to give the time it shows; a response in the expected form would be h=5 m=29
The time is h=3 m=52
